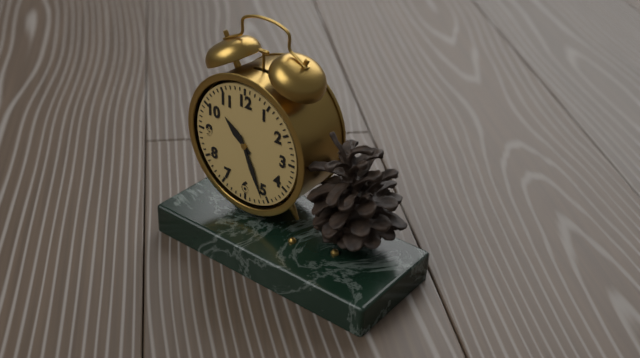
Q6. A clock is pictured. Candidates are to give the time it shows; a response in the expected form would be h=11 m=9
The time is h=10 m=26
